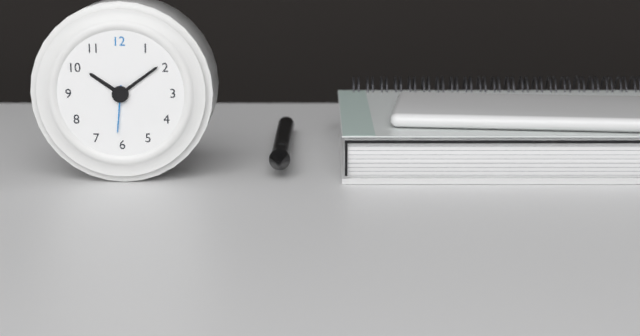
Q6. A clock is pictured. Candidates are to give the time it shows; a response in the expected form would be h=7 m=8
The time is h=10 m=9
